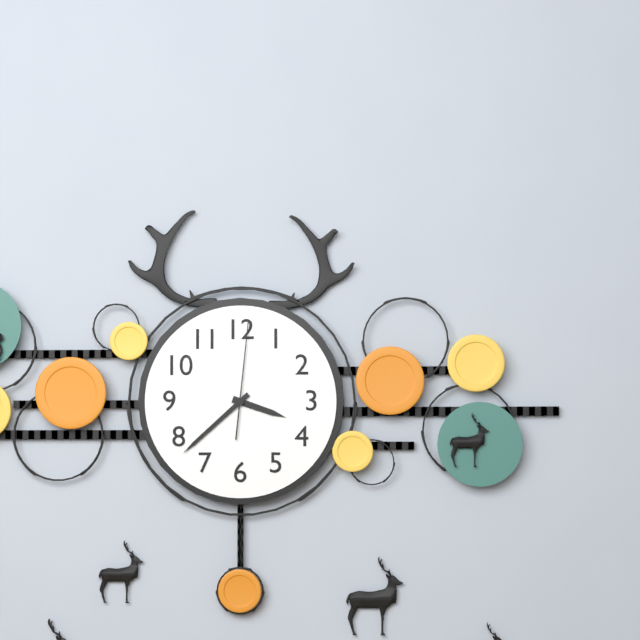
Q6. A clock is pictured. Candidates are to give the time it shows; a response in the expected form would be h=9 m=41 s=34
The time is h=3 m=38 s=1
